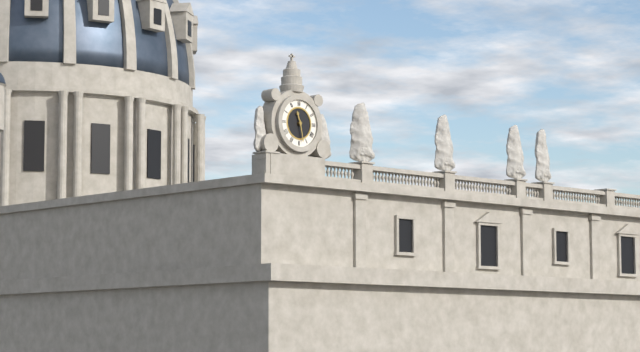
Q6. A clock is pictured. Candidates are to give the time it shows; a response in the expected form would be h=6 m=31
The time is h=11 m=28
